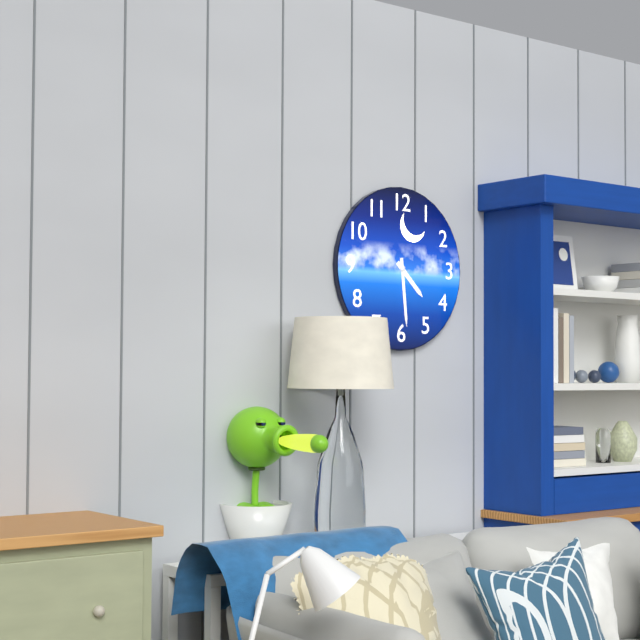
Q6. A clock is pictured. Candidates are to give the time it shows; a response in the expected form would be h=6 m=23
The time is h=4 m=29
